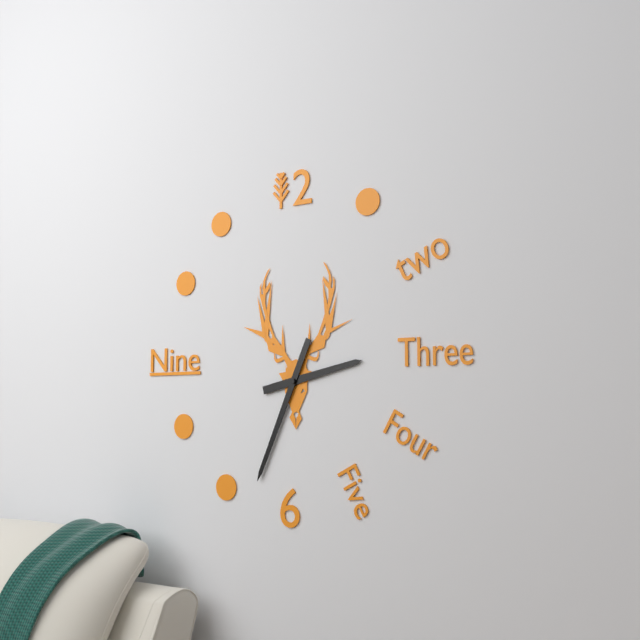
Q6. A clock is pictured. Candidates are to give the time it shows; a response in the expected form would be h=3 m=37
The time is h=2 m=34
